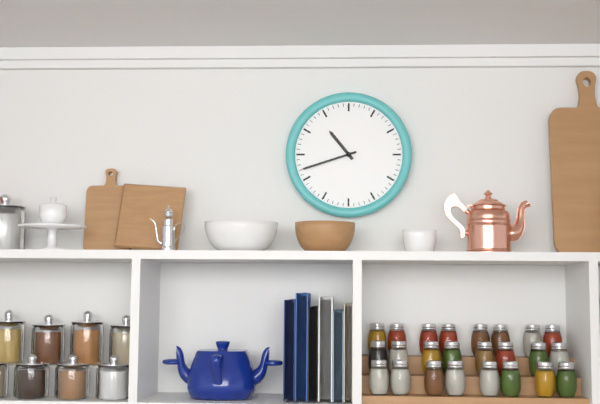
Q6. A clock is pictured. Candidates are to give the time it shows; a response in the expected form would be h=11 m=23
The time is h=10 m=42
